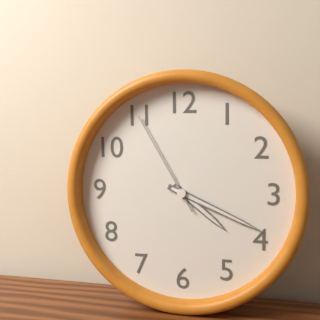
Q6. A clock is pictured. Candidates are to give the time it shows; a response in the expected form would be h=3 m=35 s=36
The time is h=4 m=19 s=55
